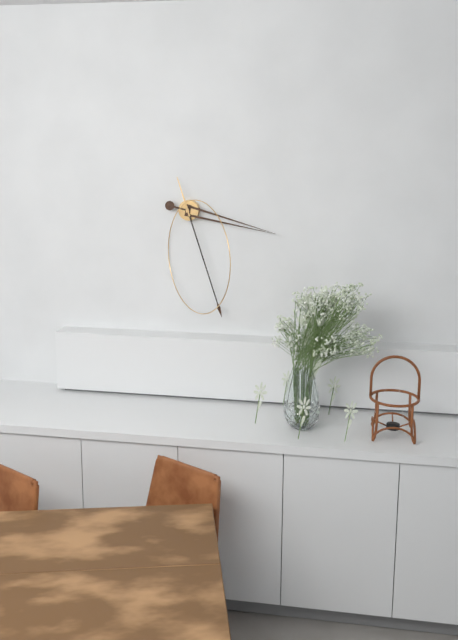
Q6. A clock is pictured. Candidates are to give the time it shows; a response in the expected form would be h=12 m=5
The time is h=3 m=27
